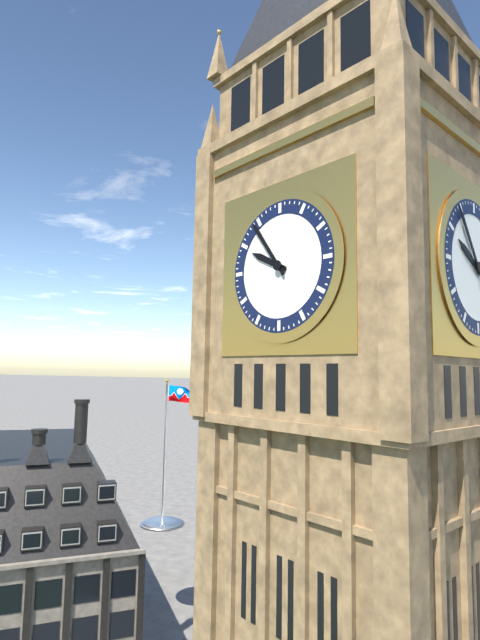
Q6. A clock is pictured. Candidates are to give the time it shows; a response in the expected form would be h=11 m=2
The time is h=9 m=54
